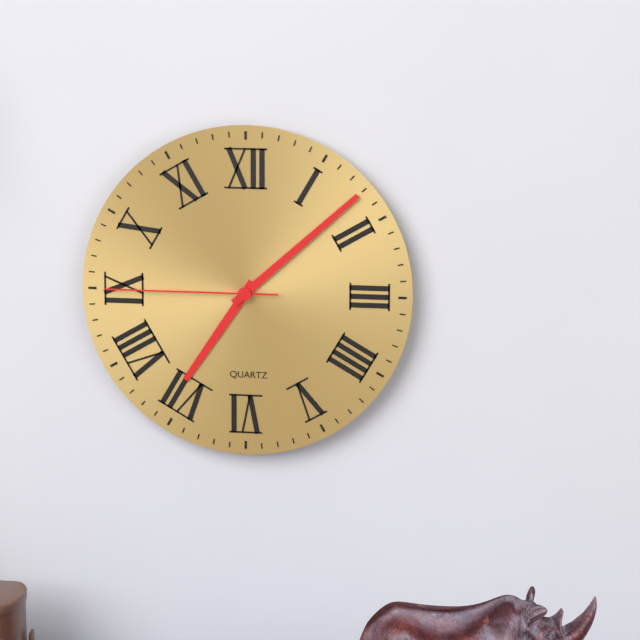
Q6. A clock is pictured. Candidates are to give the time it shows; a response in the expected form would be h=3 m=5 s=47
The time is h=7 m=8 s=45
